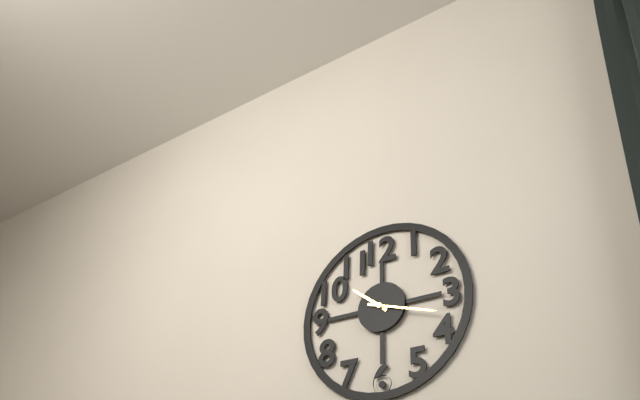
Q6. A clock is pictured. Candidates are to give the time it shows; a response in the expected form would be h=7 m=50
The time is h=10 m=18
